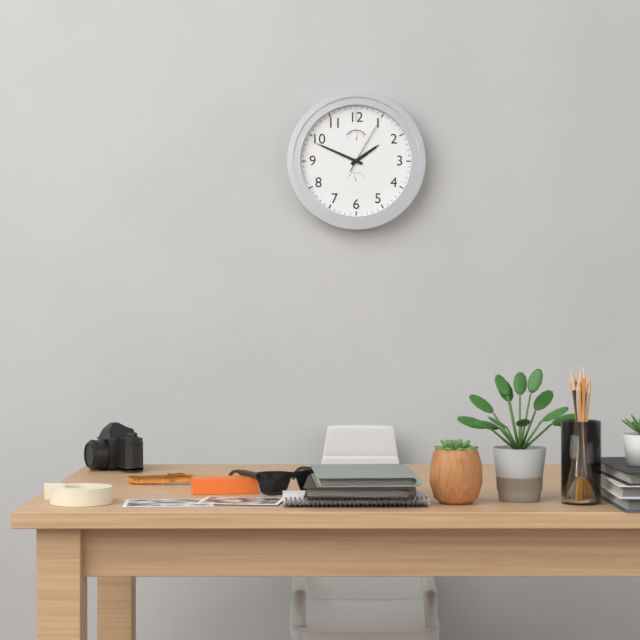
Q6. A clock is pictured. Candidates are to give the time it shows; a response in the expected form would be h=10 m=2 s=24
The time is h=1 m=49 s=5
